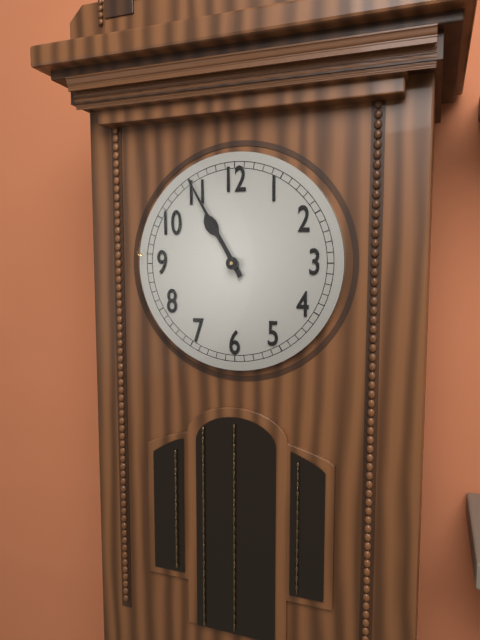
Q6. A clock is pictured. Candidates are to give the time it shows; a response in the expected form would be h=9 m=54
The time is h=10 m=55
